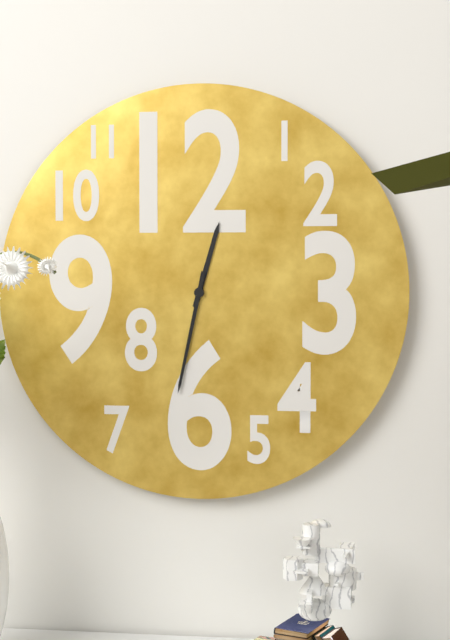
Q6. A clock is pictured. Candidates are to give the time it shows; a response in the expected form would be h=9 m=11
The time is h=12 m=32
